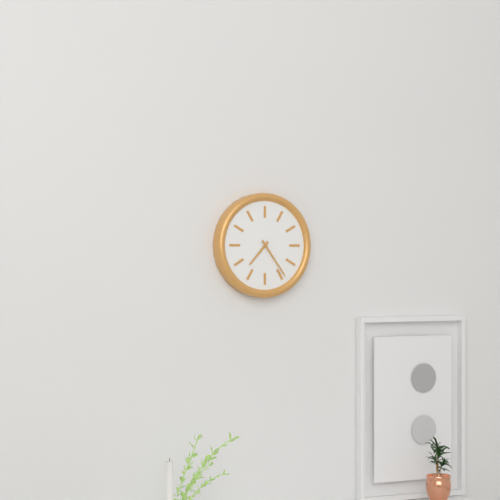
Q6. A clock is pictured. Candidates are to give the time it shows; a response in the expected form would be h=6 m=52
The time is h=7 m=24
